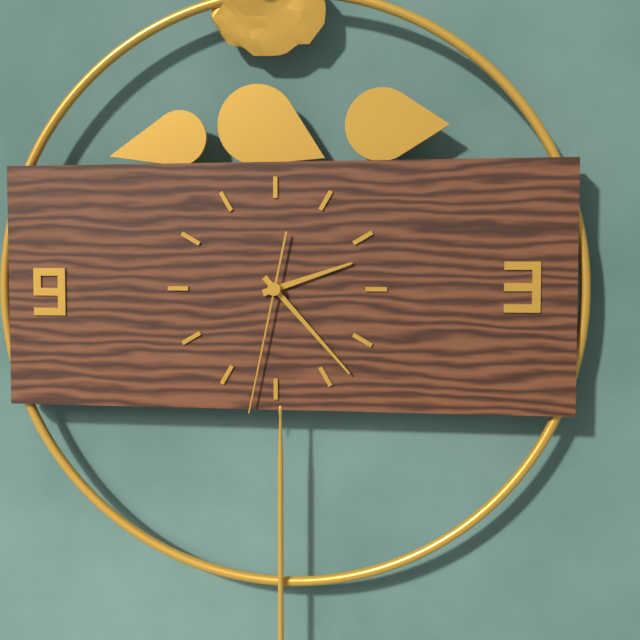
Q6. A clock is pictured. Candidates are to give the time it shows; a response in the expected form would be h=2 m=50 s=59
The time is h=2 m=23 s=32
